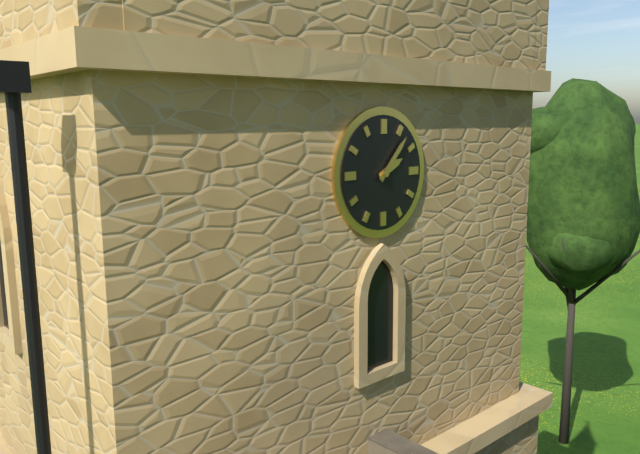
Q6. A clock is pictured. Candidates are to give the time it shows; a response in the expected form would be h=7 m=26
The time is h=2 m=7
